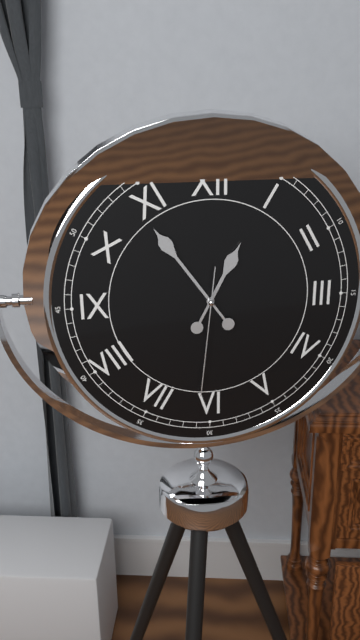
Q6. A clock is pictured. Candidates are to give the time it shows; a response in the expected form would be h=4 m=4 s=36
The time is h=12 m=54 s=31
